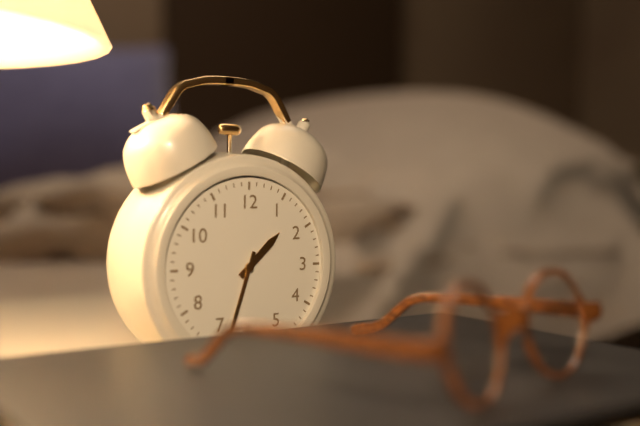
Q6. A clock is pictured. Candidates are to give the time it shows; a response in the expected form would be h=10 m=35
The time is h=1 m=33
